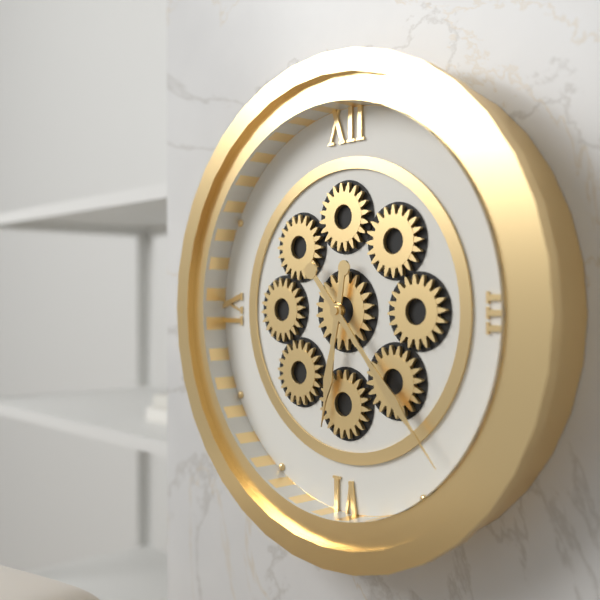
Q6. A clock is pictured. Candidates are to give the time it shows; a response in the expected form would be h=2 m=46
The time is h=6 m=23
